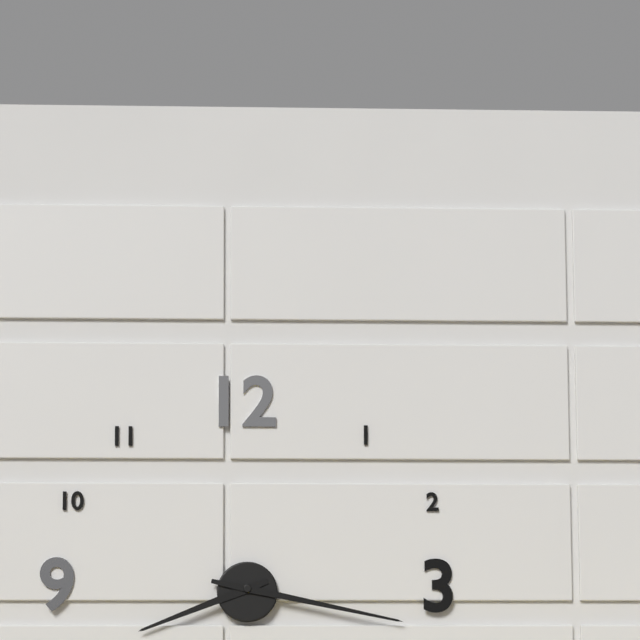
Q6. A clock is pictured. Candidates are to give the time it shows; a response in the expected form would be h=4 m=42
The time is h=8 m=17
